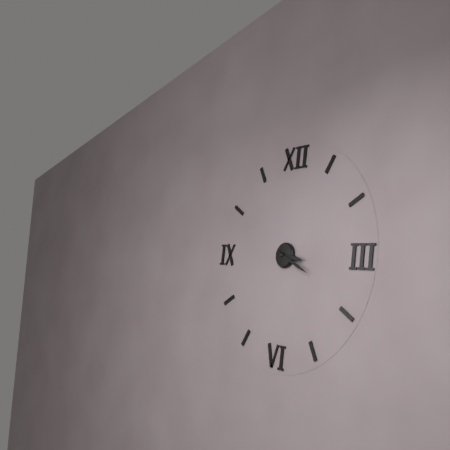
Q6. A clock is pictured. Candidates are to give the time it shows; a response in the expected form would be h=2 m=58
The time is h=3 m=19
